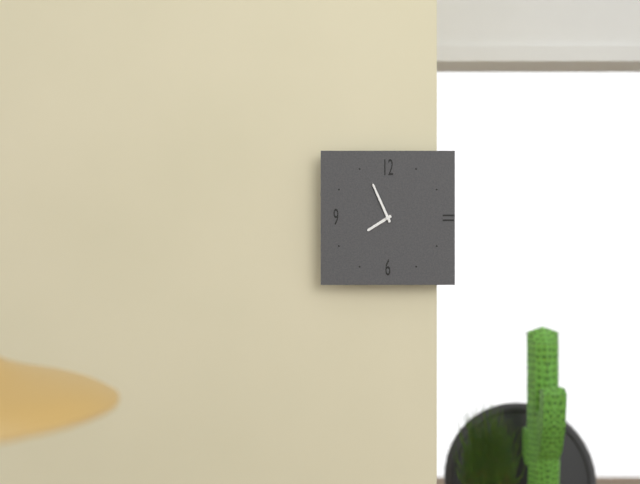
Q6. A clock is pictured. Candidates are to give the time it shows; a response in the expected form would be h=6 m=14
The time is h=7 m=56
